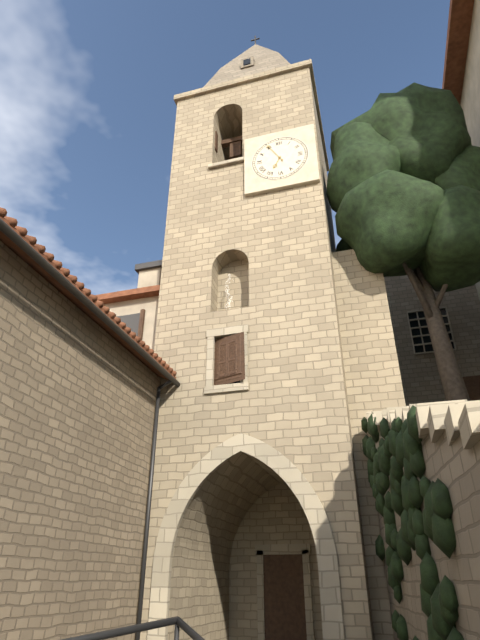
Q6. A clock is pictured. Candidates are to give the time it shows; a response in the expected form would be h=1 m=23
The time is h=6 m=55
